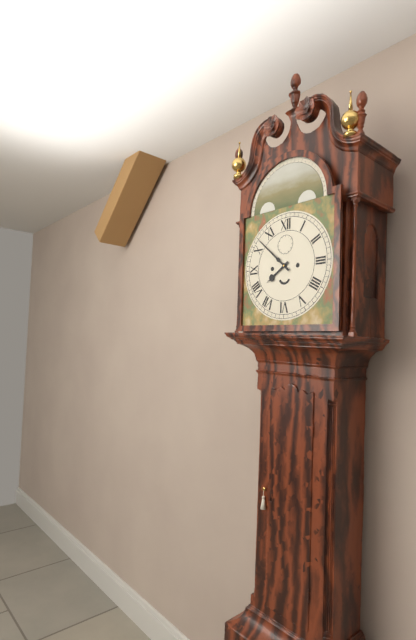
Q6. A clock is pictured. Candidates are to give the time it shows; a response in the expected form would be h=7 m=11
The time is h=7 m=52
